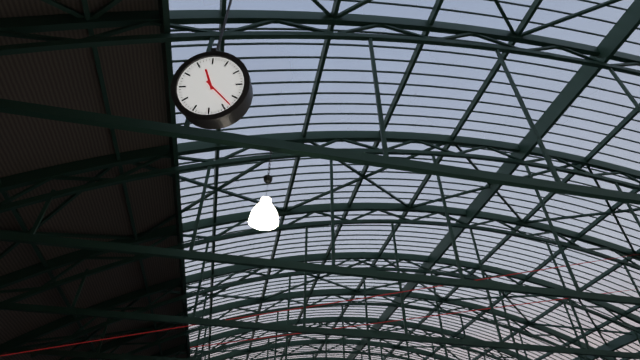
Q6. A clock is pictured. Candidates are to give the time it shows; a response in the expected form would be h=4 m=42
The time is h=11 m=23
